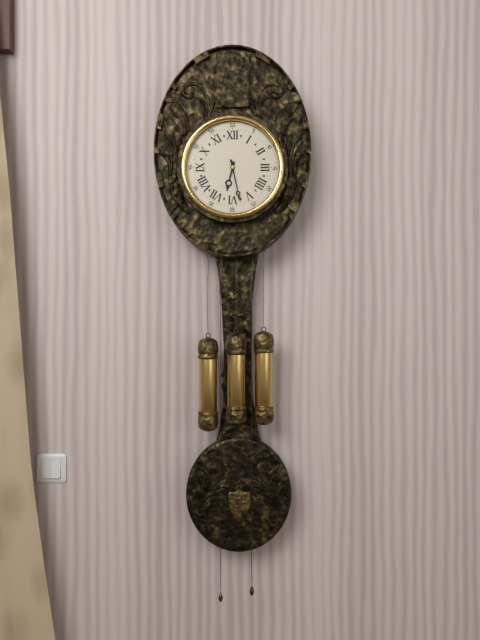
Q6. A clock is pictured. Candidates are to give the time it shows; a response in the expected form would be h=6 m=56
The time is h=6 m=28
